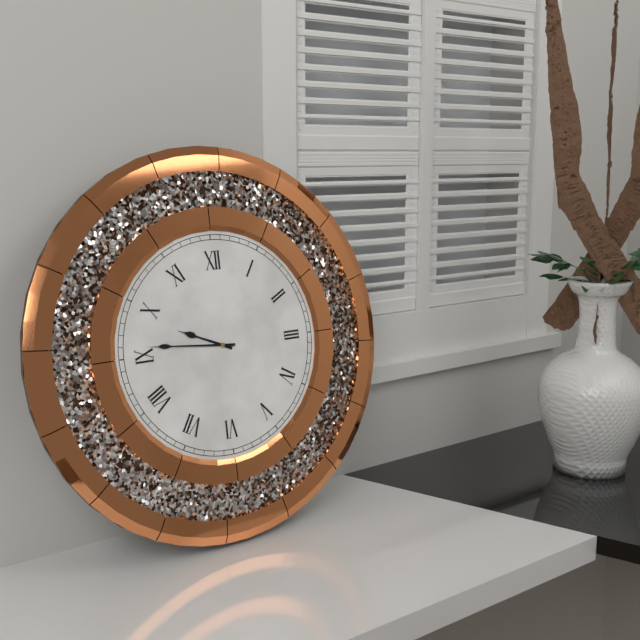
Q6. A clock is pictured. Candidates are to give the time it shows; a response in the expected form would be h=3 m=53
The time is h=9 m=46
